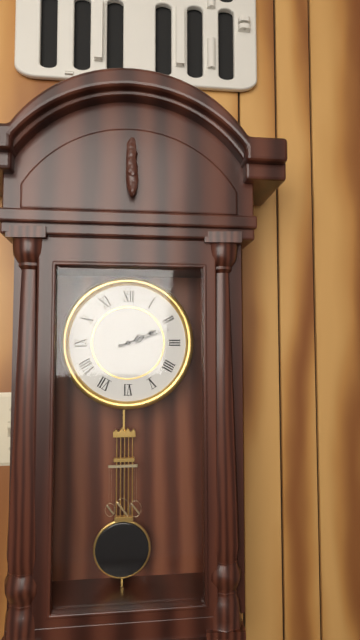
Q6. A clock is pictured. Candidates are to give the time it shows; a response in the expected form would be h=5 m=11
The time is h=2 m=12
